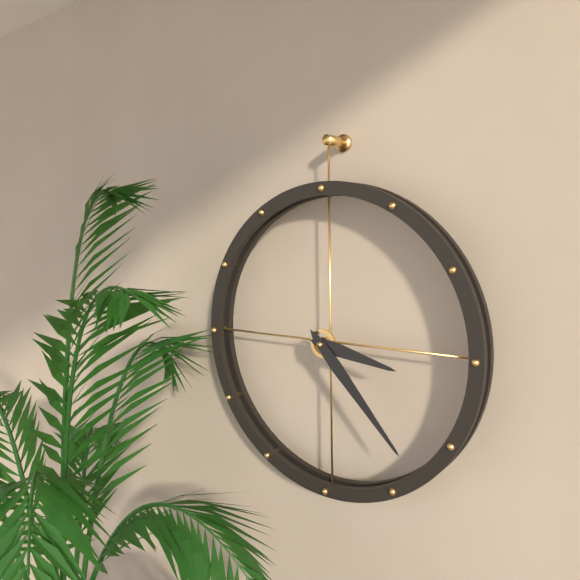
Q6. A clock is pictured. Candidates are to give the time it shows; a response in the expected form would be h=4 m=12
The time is h=3 m=23
